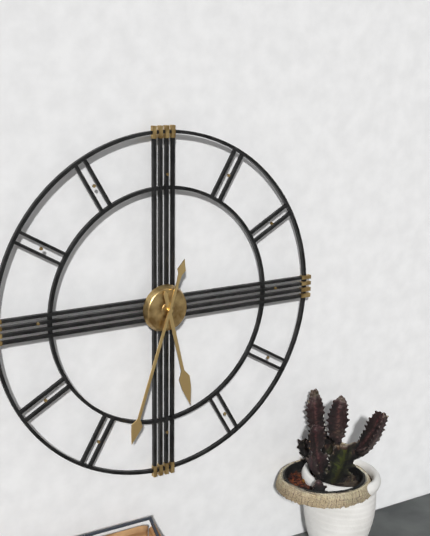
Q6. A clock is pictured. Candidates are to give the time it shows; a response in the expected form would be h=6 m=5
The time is h=5 m=33
